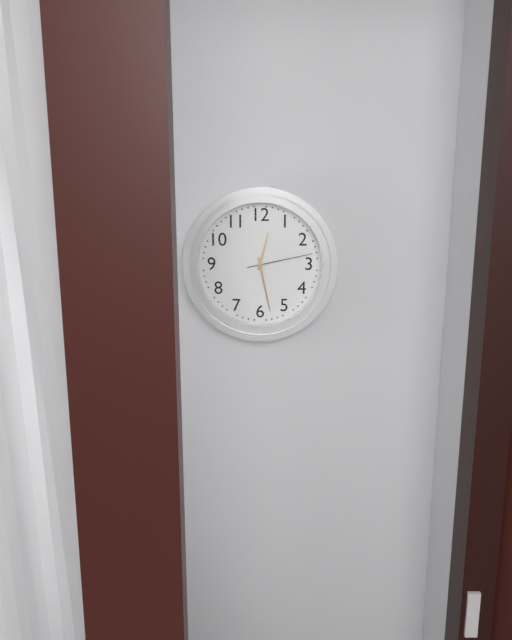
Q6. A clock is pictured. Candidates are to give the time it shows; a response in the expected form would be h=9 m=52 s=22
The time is h=12 m=28 s=13
